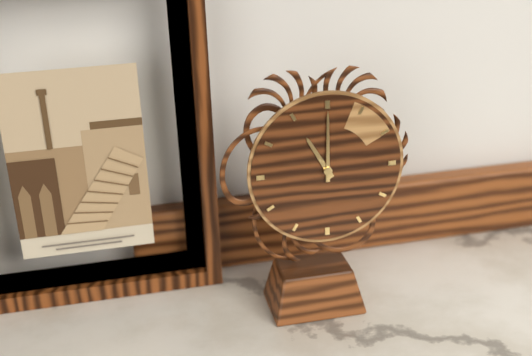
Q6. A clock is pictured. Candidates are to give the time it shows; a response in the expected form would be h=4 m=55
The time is h=11 m=0
